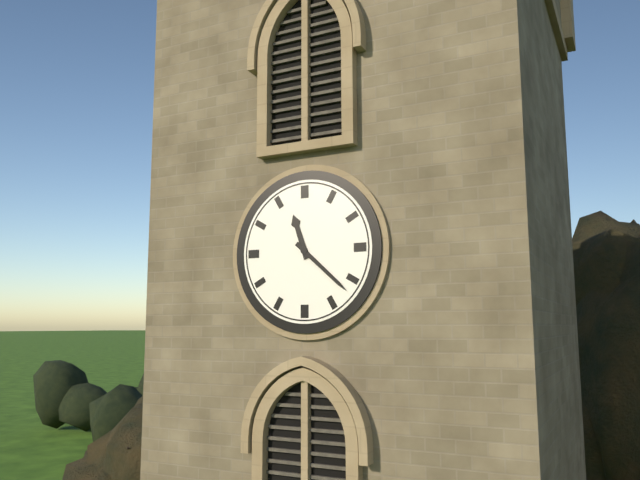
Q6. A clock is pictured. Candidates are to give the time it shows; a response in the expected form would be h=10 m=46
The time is h=11 m=22
